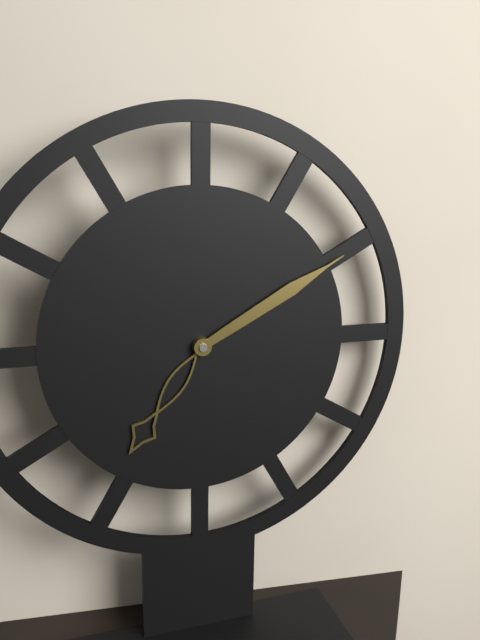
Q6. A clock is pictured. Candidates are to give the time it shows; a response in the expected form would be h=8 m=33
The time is h=7 m=10
